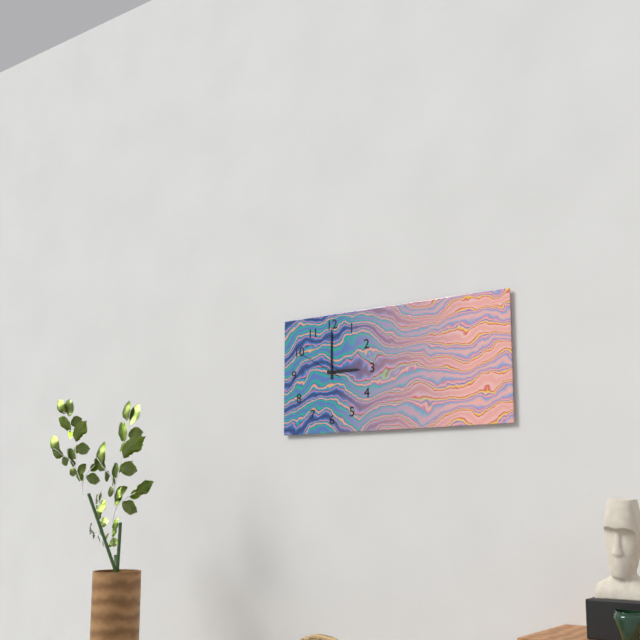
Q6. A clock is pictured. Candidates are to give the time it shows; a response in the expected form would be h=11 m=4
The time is h=3 m=0
